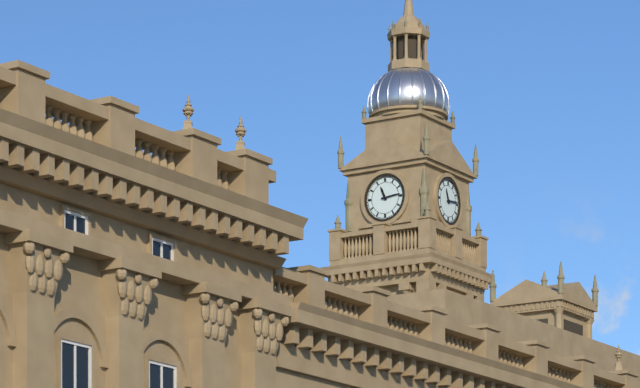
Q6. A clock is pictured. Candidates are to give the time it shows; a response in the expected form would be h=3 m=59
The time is h=11 m=14
